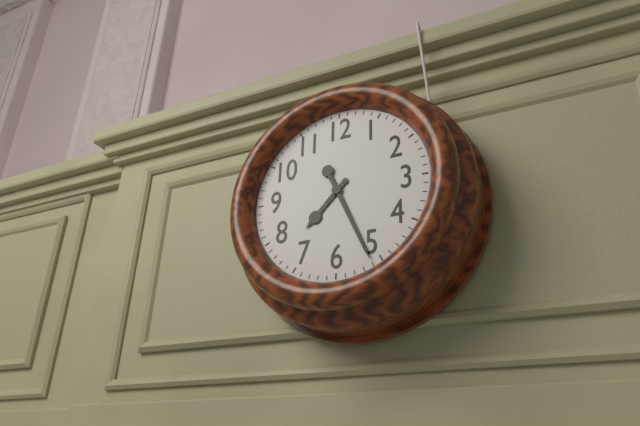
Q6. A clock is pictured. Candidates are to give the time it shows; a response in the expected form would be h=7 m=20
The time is h=7 m=26
